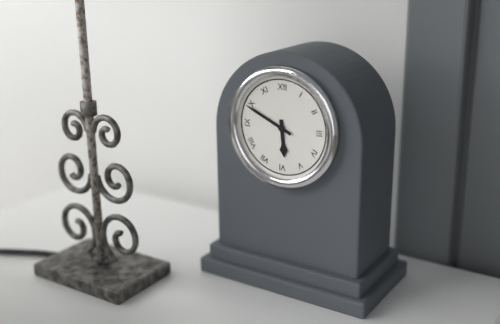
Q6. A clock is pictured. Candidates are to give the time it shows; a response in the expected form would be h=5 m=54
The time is h=5 m=49
